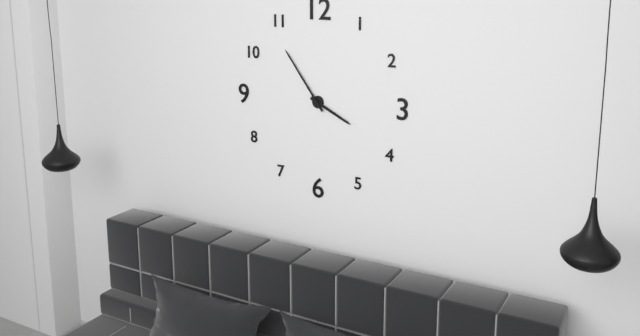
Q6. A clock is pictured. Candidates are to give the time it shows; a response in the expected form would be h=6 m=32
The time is h=3 m=54
